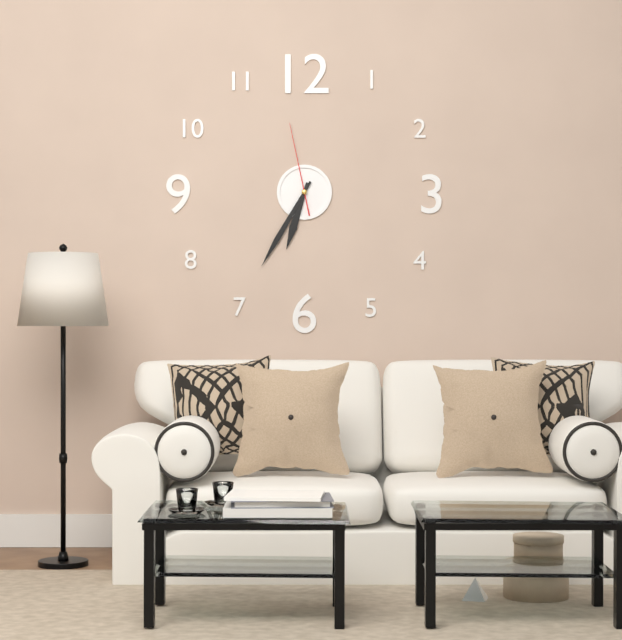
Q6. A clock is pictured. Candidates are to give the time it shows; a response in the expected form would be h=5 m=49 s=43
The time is h=6 m=35 s=58
